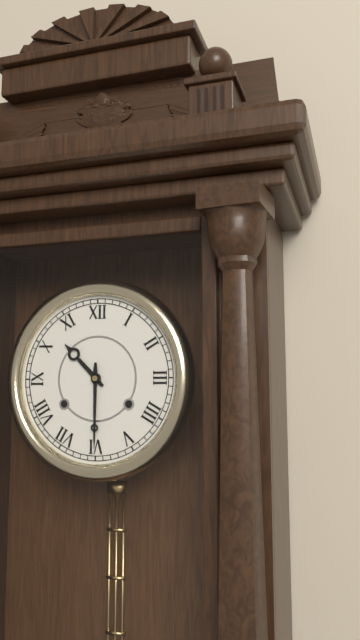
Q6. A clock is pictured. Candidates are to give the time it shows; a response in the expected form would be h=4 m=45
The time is h=10 m=30
